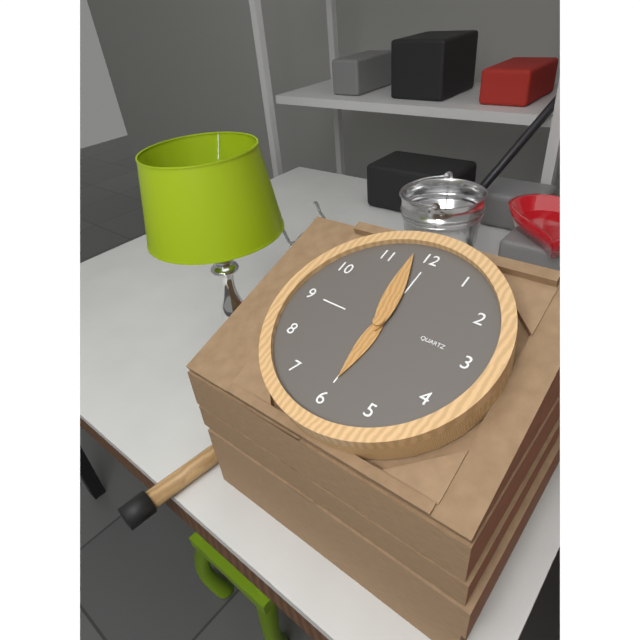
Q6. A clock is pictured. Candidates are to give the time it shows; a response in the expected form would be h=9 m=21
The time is h=5 m=58
